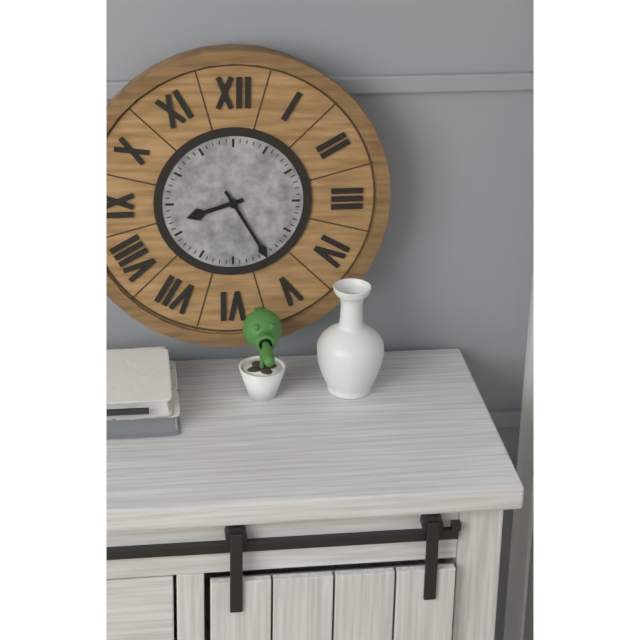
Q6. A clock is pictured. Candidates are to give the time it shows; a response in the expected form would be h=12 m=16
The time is h=8 m=25
